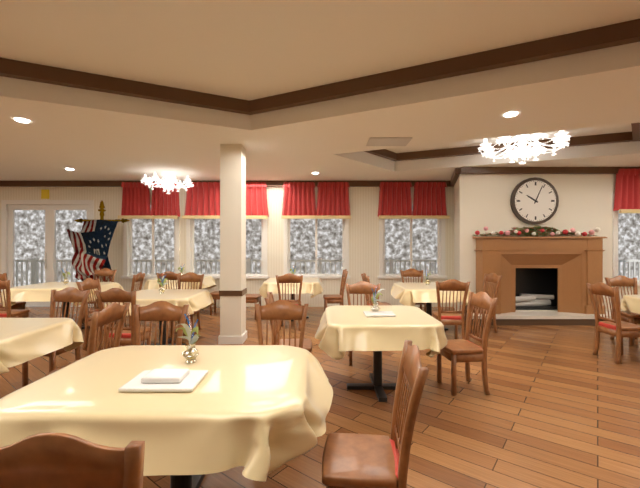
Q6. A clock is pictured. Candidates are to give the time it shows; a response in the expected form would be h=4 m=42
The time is h=10 m=4
